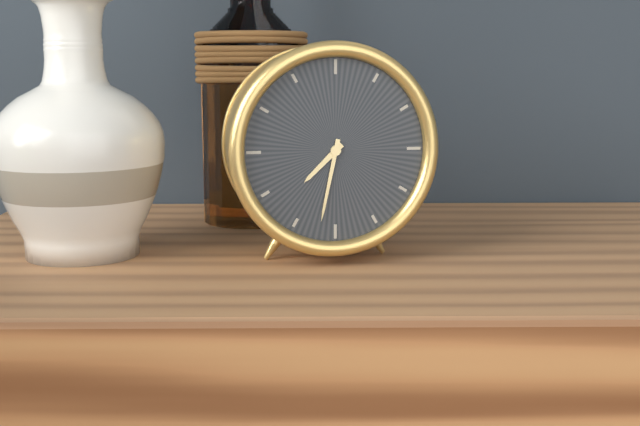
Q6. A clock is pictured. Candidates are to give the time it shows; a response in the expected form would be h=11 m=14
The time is h=7 m=32
